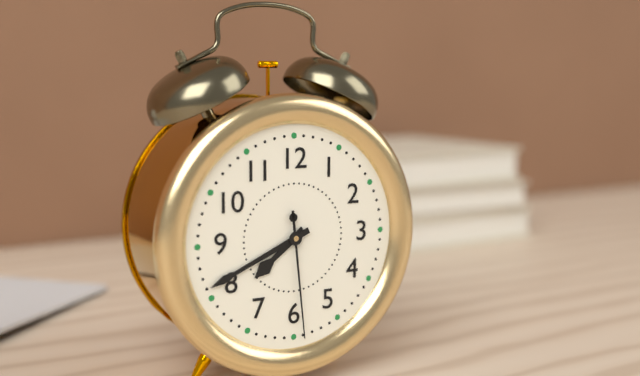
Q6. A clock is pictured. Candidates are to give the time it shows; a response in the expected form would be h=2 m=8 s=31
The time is h=7 m=41 s=29
